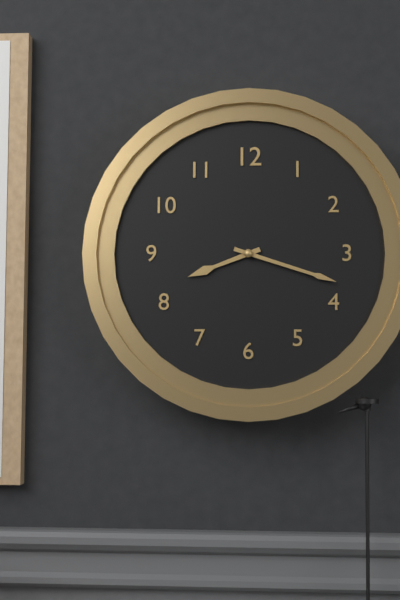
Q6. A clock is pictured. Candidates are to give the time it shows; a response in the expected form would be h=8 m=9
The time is h=8 m=18
